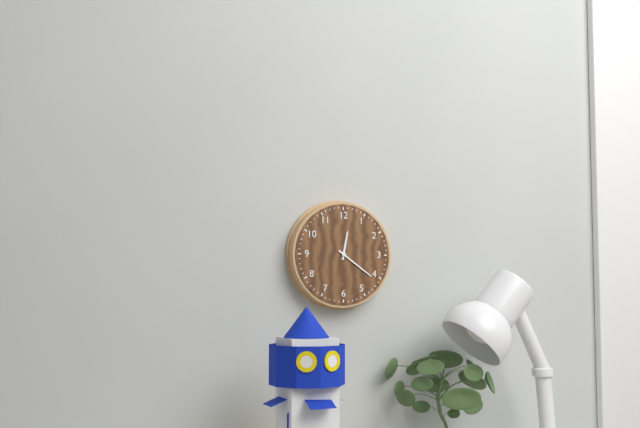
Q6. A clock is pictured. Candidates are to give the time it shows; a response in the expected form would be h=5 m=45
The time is h=12 m=21
